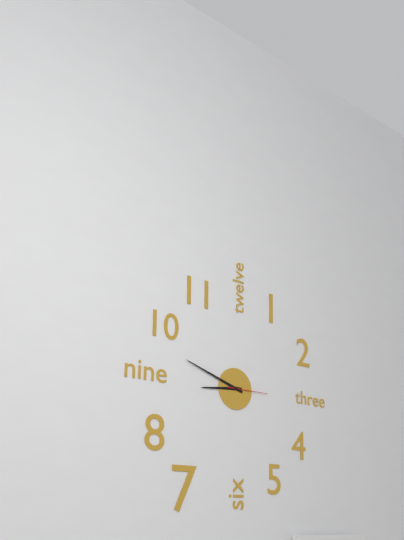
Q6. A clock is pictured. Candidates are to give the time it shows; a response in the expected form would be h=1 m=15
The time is h=8 m=48
